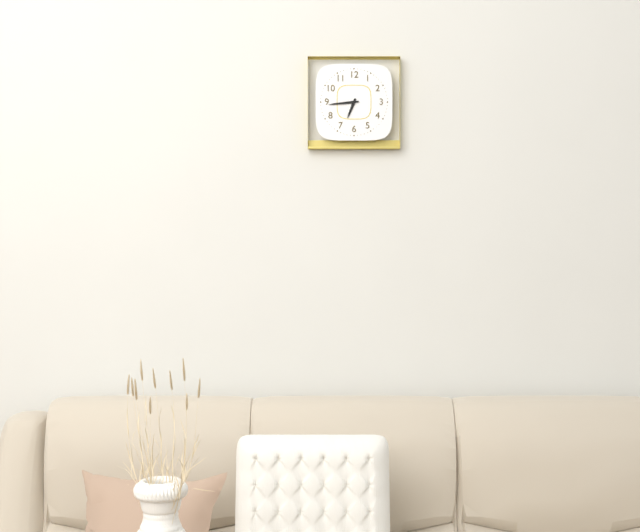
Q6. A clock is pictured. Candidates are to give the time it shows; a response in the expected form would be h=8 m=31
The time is h=6 m=44
